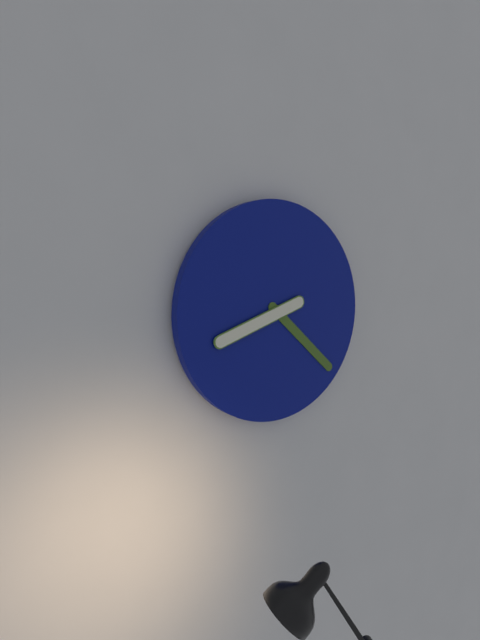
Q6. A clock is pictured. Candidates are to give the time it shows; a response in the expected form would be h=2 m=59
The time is h=8 m=22
